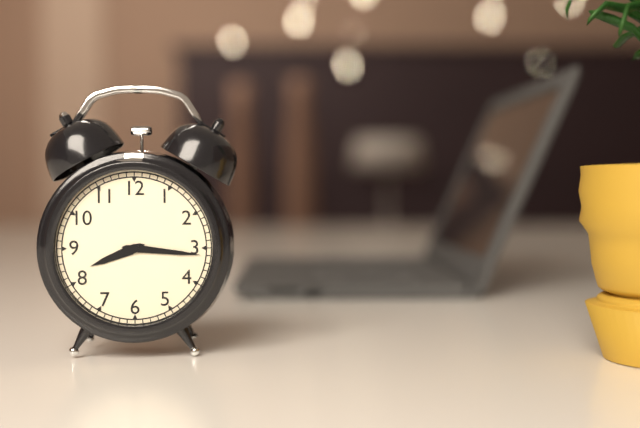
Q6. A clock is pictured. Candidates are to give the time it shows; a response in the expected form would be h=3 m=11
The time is h=8 m=16
